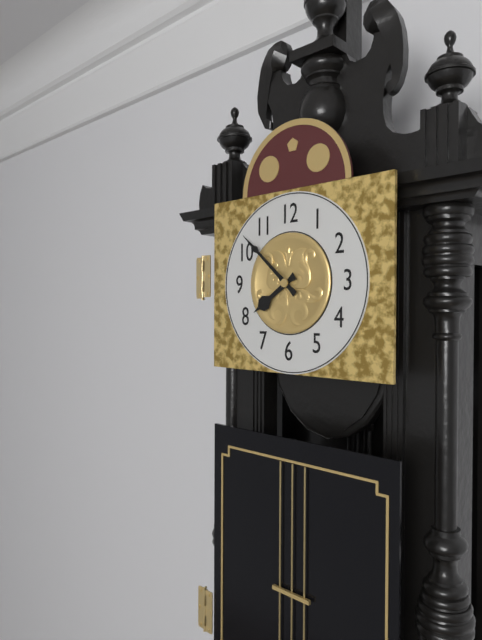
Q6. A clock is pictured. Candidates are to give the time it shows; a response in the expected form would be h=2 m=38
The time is h=7 m=52
